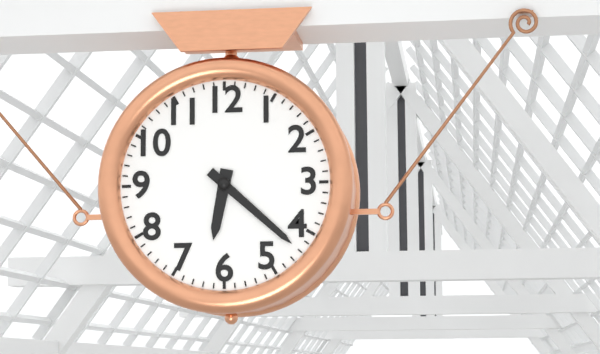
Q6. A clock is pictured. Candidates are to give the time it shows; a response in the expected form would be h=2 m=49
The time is h=6 m=22
